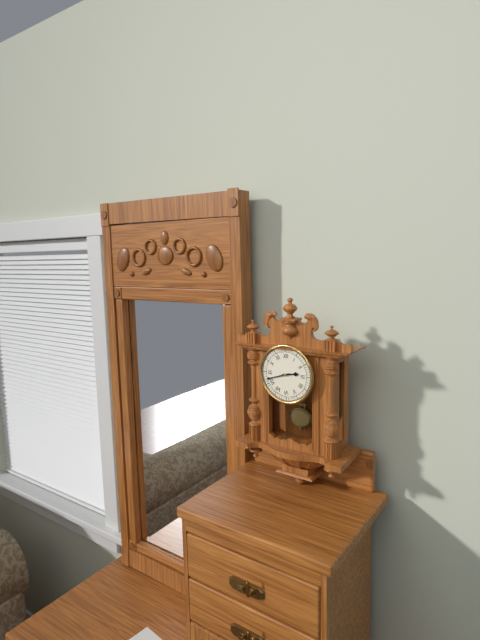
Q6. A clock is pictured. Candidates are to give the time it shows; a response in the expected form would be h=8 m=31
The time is h=2 m=42
